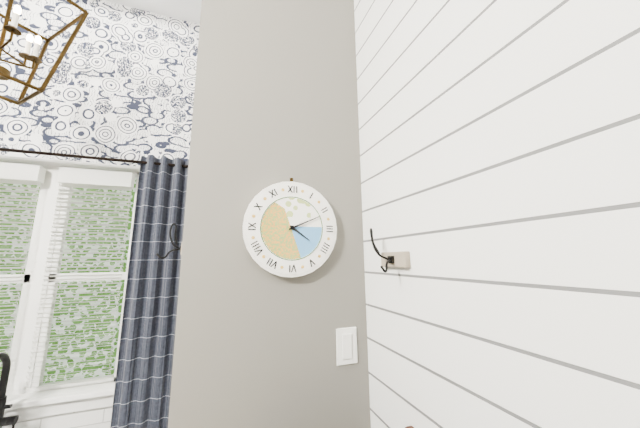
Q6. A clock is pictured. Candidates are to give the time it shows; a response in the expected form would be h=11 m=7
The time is h=4 m=11
